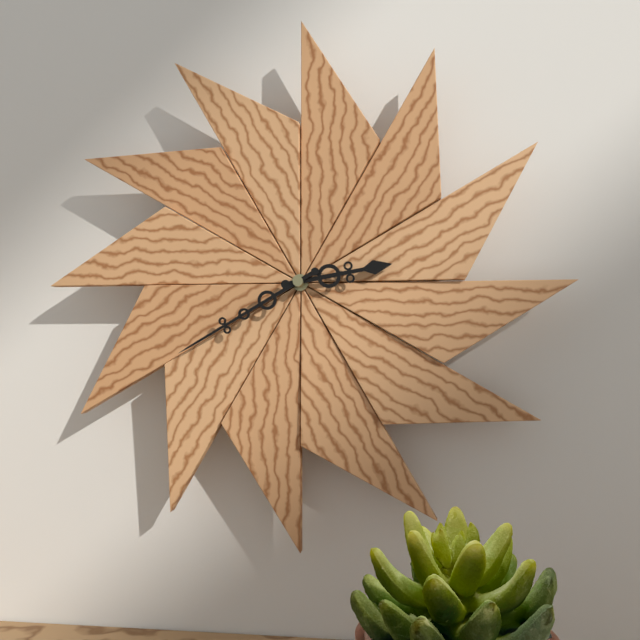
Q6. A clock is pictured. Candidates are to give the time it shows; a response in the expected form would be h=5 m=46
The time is h=2 m=40
